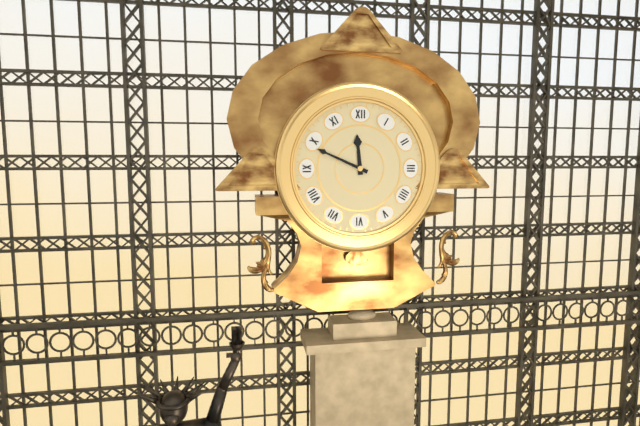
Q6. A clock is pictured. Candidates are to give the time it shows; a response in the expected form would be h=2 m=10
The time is h=11 m=49
